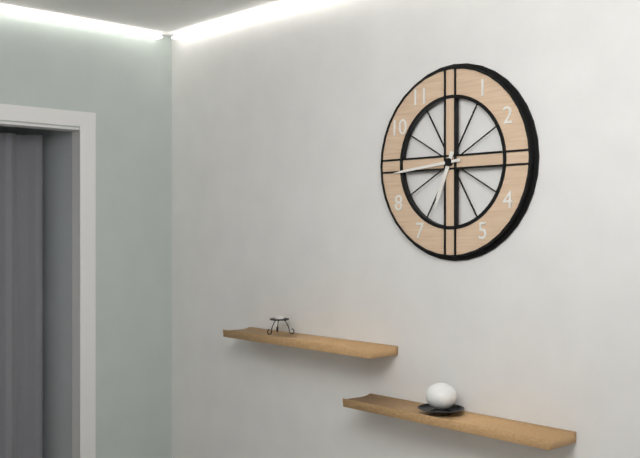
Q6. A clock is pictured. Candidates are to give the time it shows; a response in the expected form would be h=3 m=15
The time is h=6 m=44
